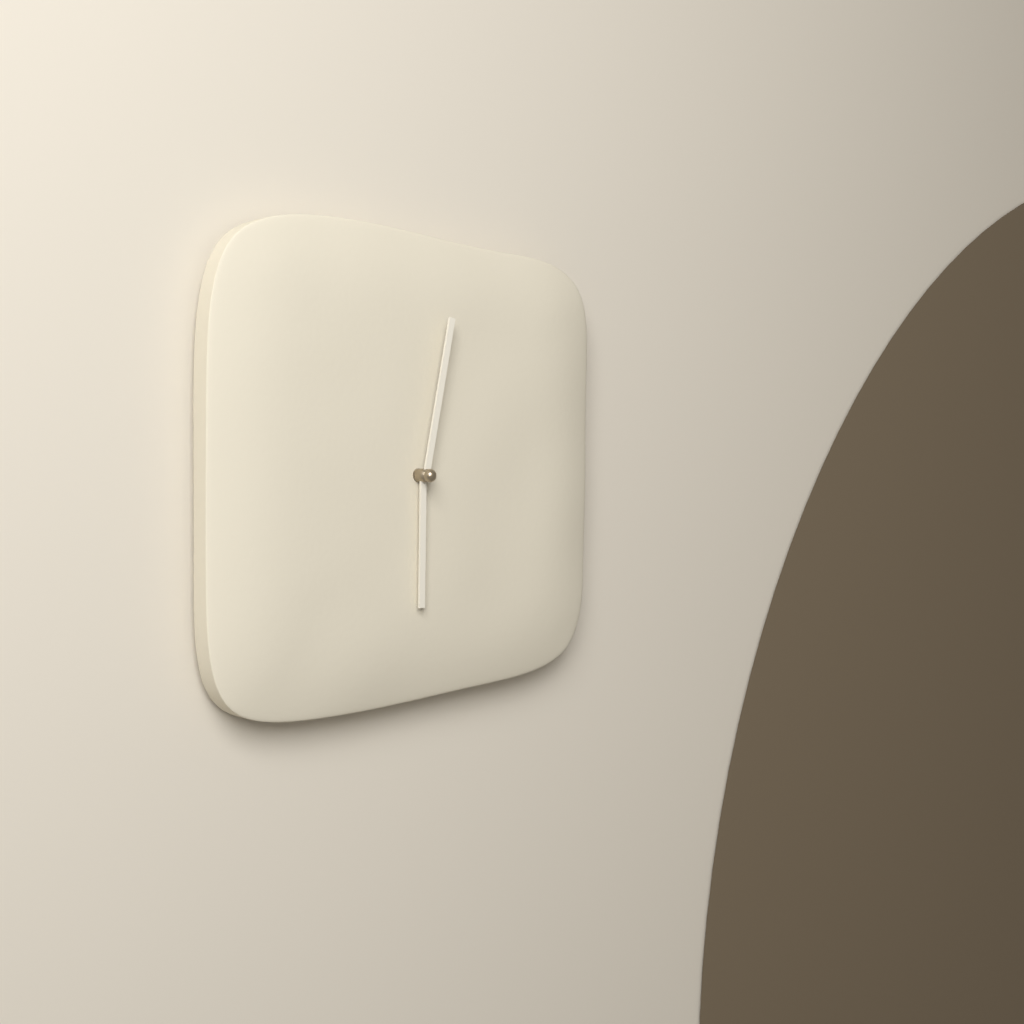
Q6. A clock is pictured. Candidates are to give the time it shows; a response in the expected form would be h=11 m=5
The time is h=6 m=2
